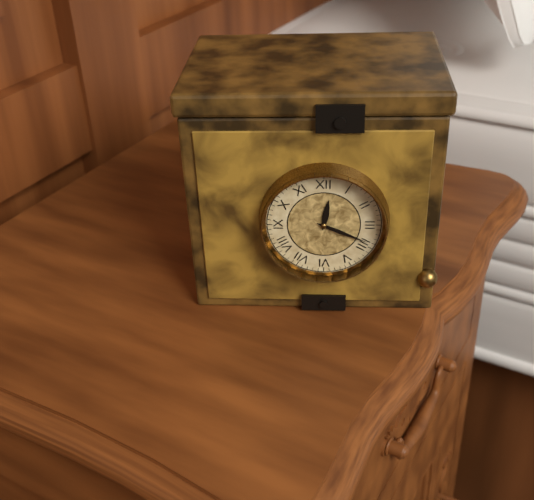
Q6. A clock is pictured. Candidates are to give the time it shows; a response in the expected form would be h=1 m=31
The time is h=12 m=19
